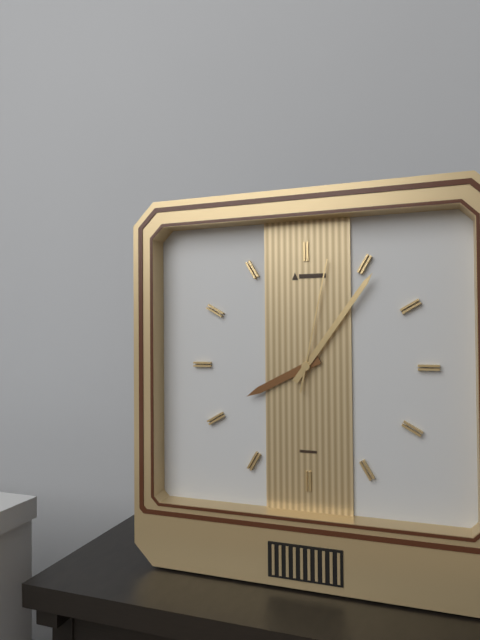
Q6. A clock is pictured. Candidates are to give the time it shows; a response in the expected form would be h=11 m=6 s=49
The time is h=8 m=6 s=2
